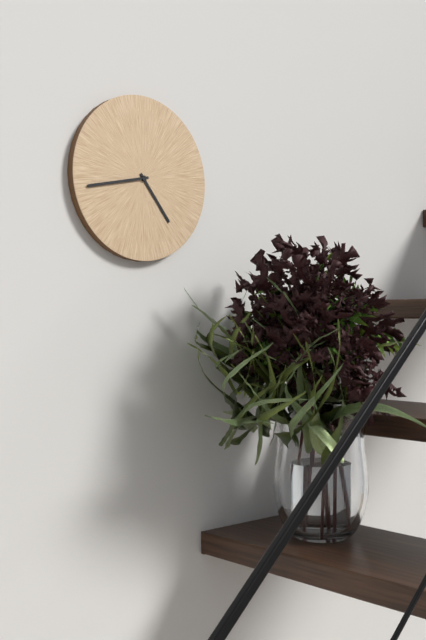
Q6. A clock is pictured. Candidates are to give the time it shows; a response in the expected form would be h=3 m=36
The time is h=4 m=43
